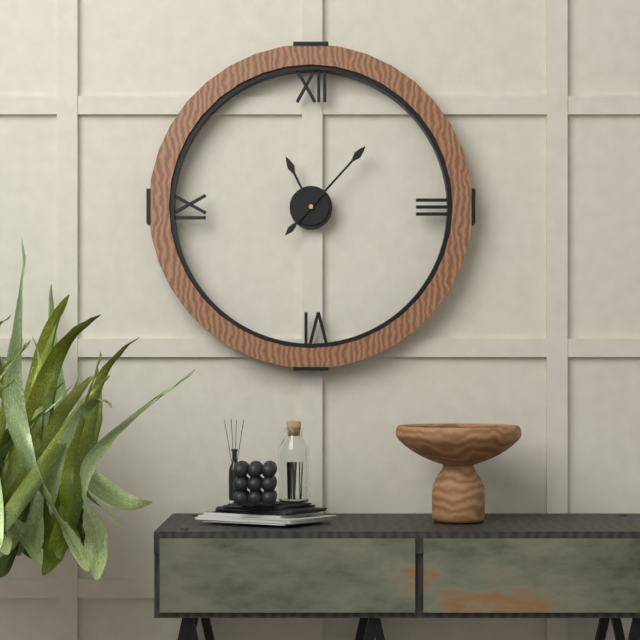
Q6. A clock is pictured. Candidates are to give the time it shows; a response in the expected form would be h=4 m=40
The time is h=11 m=7
